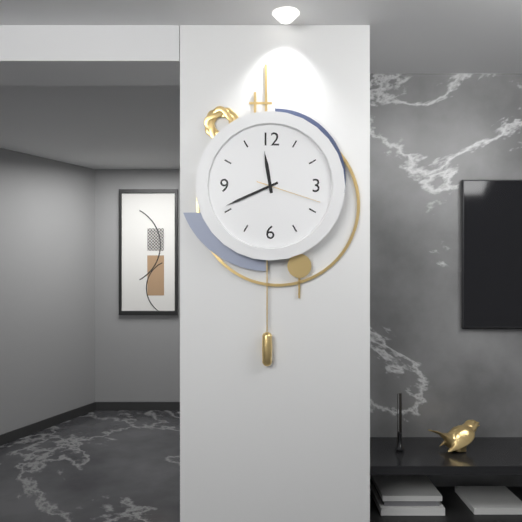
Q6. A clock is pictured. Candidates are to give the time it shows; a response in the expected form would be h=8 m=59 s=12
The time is h=11 m=41 s=18
